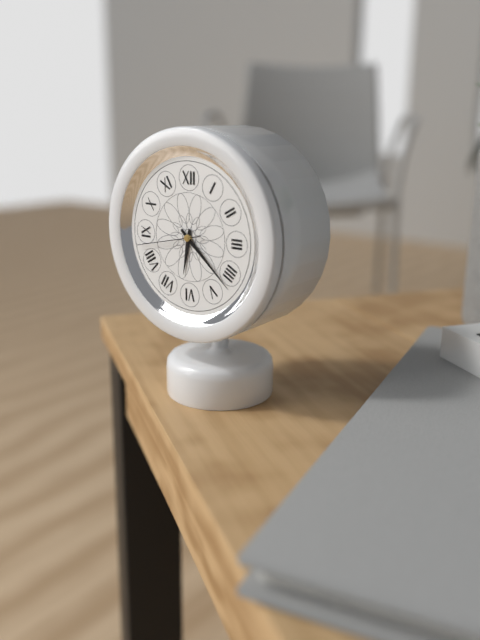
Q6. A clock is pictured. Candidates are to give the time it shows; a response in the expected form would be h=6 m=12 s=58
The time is h=6 m=22 s=43
